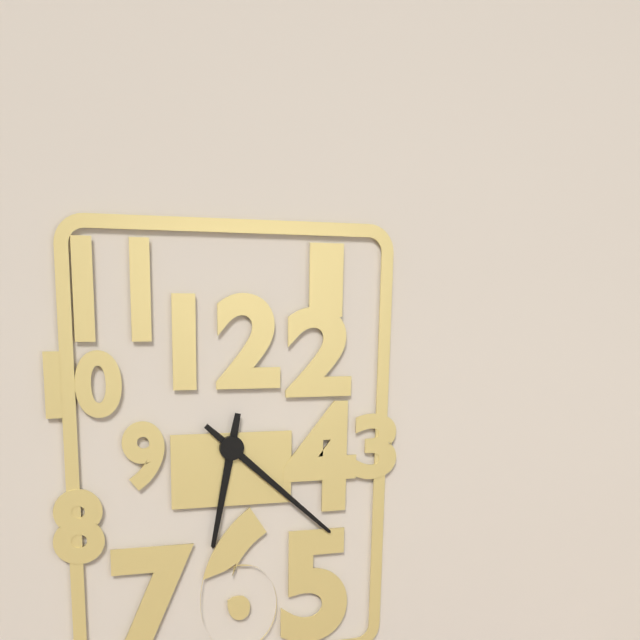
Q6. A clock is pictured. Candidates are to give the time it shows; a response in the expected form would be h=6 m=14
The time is h=6 m=22
